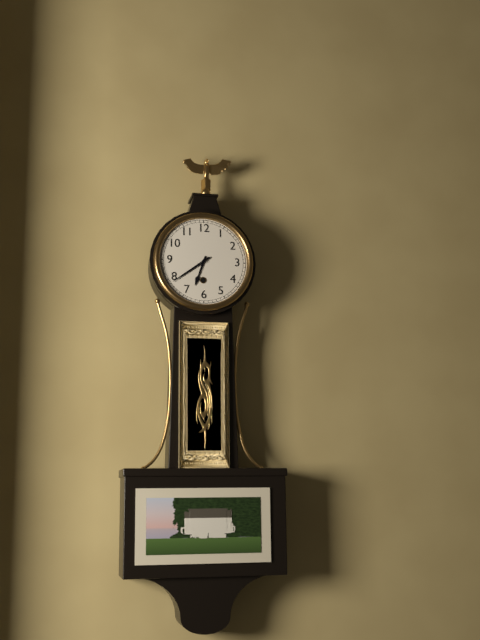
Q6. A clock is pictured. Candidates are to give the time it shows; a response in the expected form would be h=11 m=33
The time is h=6 m=39
